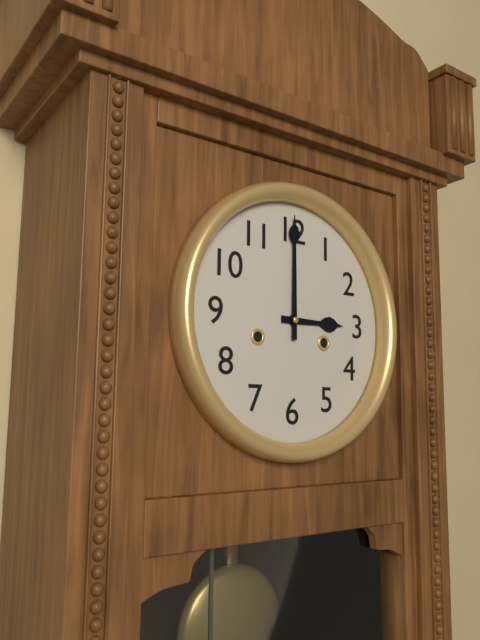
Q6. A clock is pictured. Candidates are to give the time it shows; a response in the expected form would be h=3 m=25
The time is h=3 m=0
